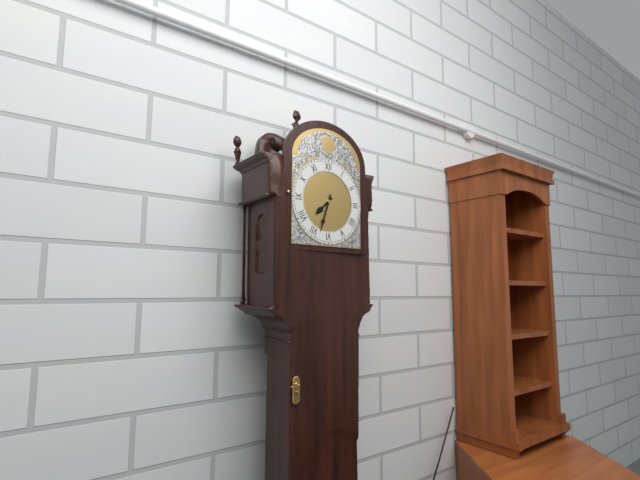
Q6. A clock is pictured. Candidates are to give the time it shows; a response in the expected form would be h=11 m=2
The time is h=7 m=33
